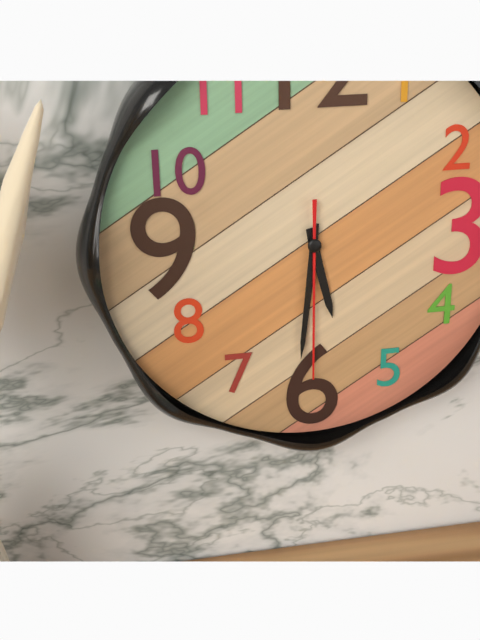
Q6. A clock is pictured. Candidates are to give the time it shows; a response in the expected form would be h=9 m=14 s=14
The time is h=5 m=31 s=30
